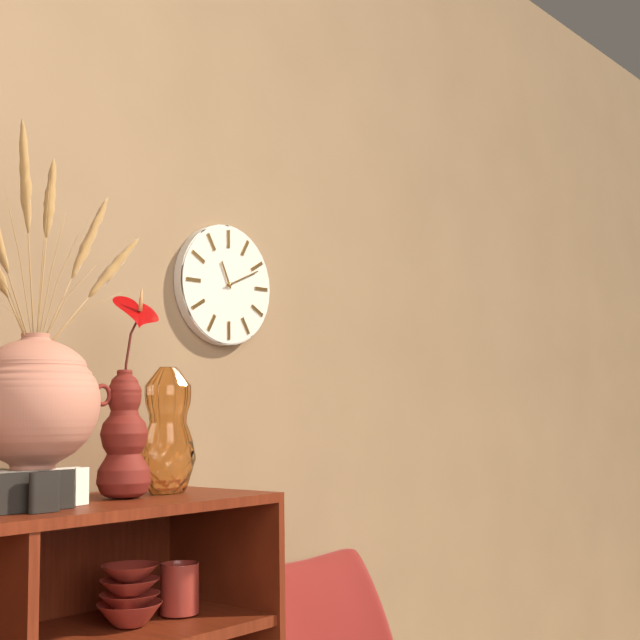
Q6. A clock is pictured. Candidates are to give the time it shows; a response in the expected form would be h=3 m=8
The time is h=11 m=11
